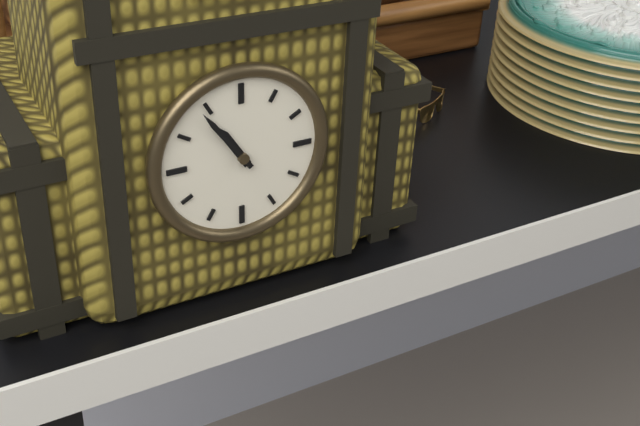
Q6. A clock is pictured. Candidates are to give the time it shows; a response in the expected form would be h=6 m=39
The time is h=10 m=54
